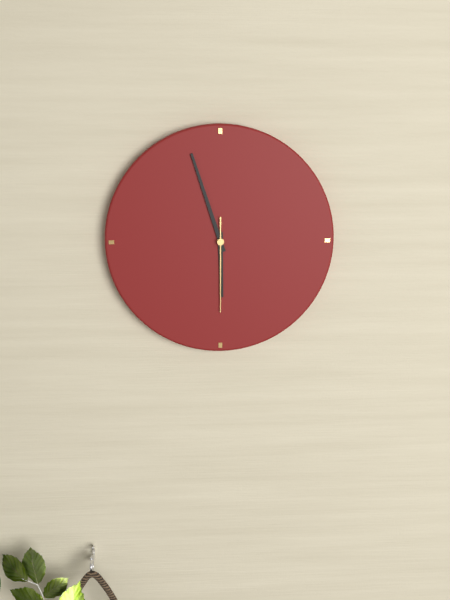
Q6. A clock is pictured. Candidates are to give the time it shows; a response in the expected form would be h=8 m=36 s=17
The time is h=5 m=57 s=30
